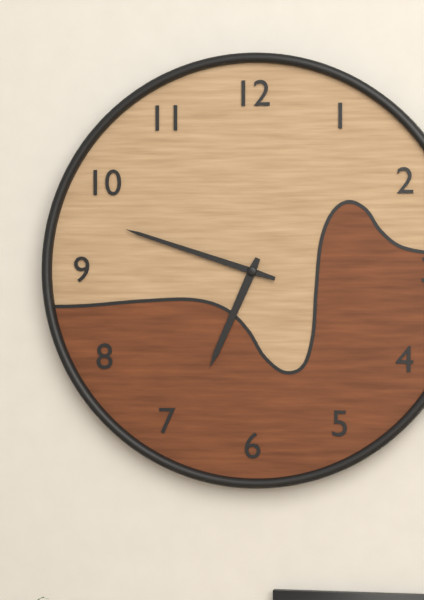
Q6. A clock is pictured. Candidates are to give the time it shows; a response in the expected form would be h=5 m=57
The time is h=6 m=48
